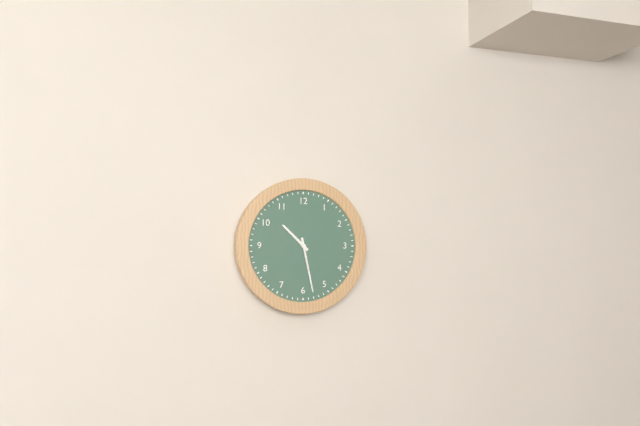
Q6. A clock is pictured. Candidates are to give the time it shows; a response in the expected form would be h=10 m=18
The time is h=10 m=28
